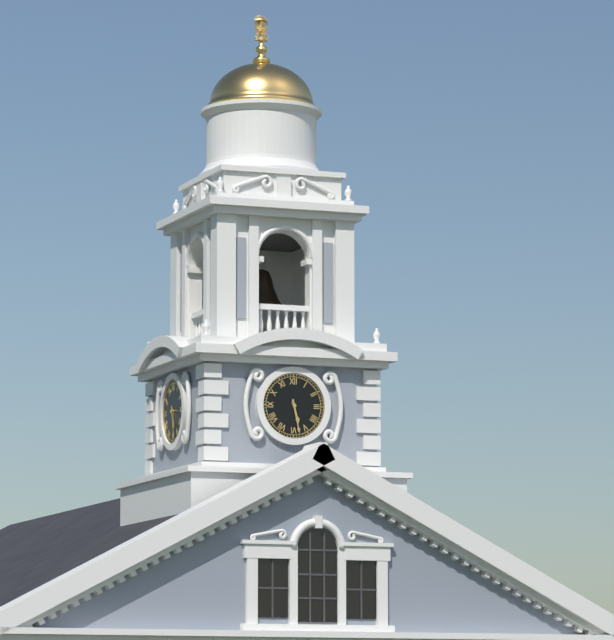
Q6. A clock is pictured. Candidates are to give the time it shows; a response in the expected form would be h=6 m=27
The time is h=5 m=28
